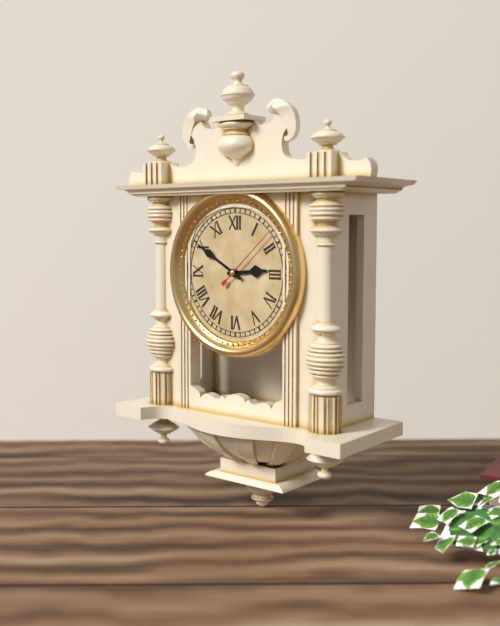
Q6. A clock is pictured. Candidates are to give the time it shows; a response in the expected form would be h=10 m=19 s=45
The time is h=2 m=50 s=8
